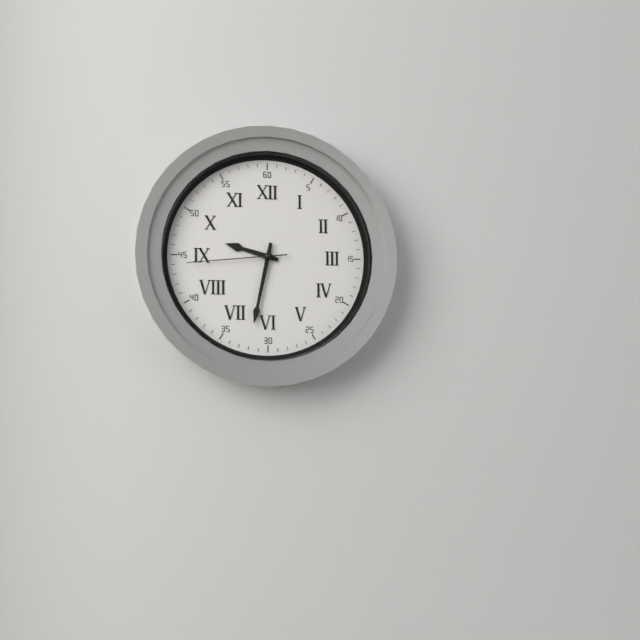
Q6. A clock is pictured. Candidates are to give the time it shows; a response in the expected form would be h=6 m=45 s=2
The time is h=9 m=32 s=44
